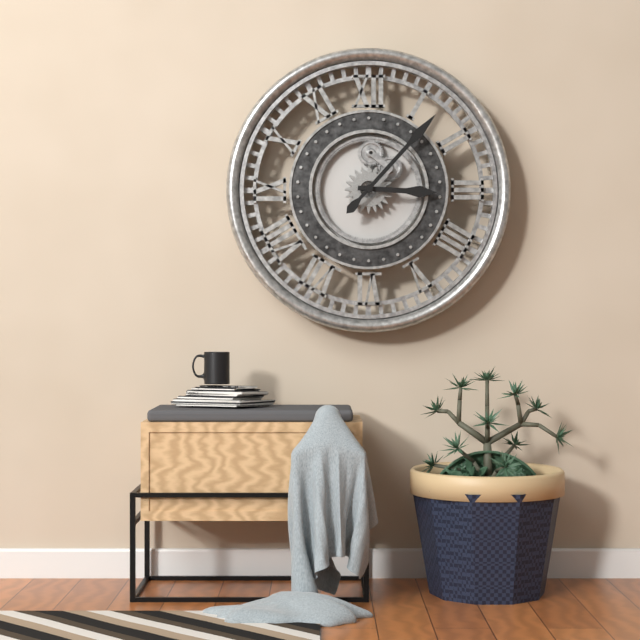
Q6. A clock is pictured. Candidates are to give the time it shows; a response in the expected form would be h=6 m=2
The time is h=3 m=7
